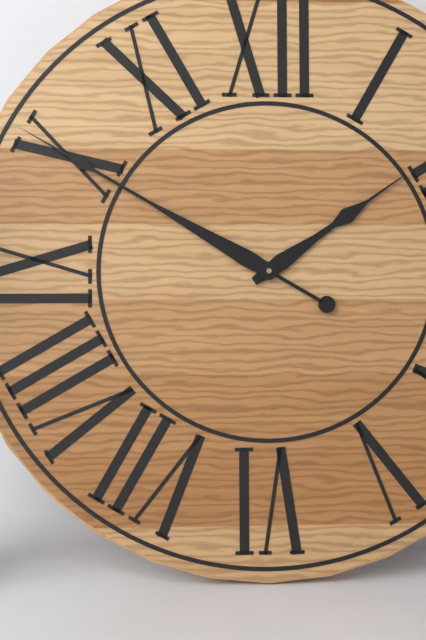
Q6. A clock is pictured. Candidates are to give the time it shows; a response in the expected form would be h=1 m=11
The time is h=1 m=50
